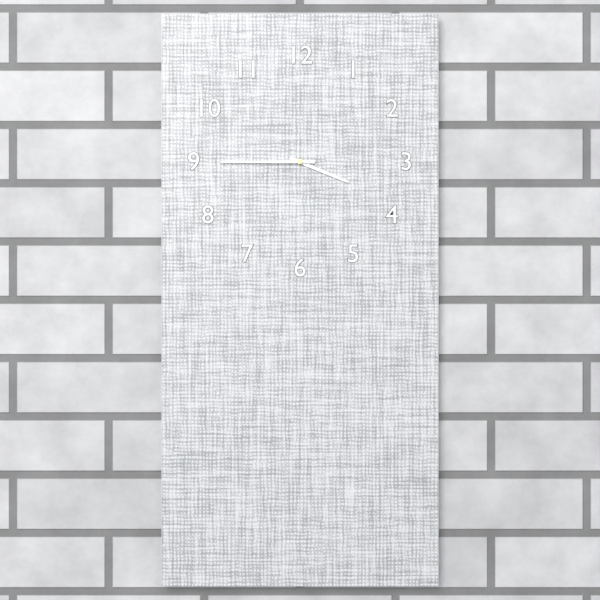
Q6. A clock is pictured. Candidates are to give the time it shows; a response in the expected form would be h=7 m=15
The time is h=3 m=45
